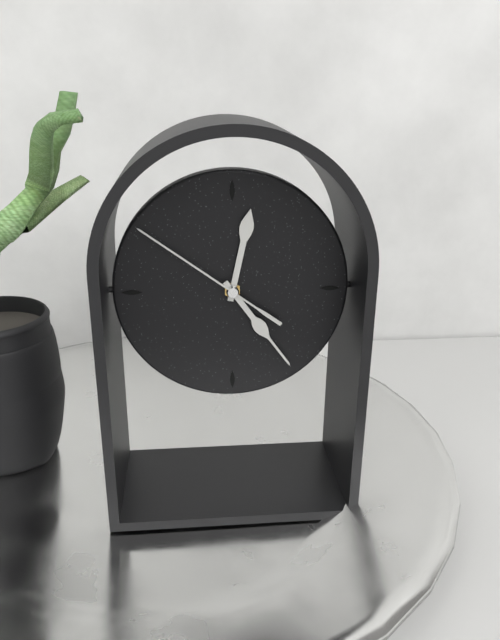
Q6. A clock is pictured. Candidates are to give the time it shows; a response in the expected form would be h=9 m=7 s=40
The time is h=12 m=24 s=51
